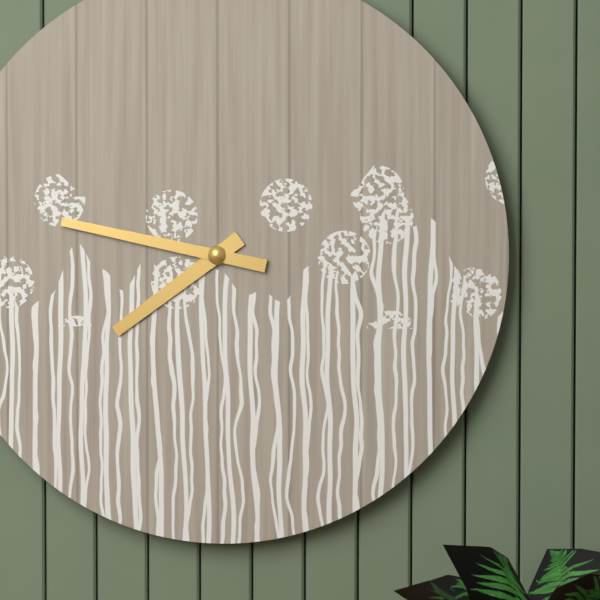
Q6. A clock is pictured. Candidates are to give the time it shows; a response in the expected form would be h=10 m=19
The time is h=7 m=47
